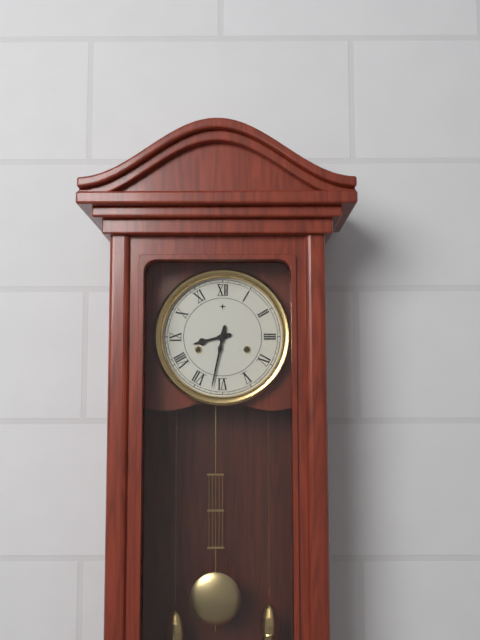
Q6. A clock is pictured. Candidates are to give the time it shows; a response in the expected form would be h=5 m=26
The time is h=8 m=32
